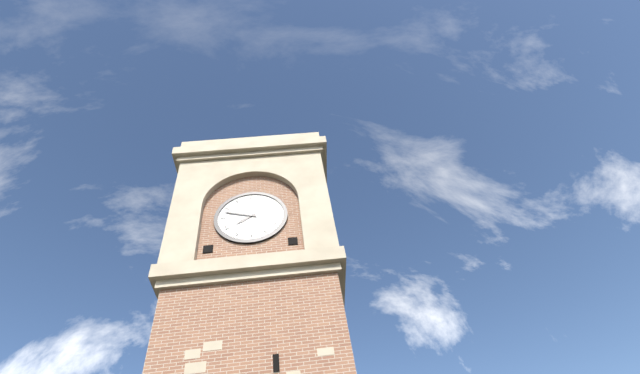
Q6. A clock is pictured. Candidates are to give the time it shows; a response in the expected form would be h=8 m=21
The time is h=7 m=48
